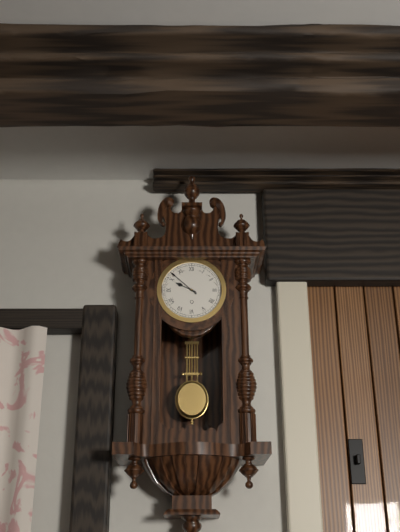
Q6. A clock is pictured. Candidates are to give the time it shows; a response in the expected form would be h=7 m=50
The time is h=9 m=52
